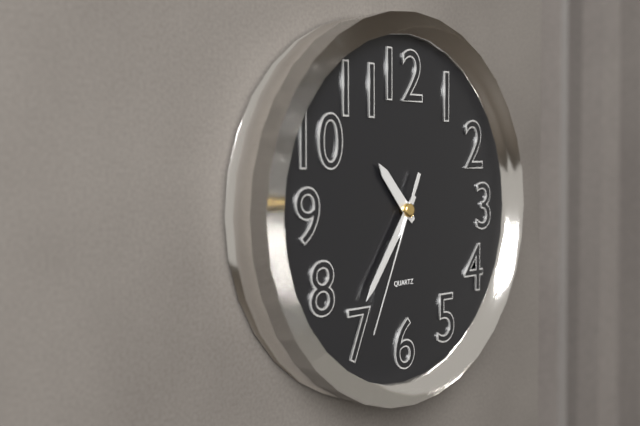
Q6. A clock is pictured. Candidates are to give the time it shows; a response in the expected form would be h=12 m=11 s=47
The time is h=10 m=36 s=34
